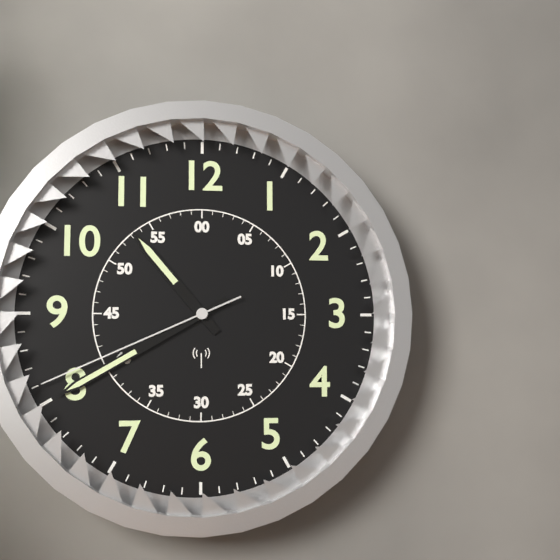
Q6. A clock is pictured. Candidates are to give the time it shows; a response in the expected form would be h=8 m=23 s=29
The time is h=10 m=40 s=41
